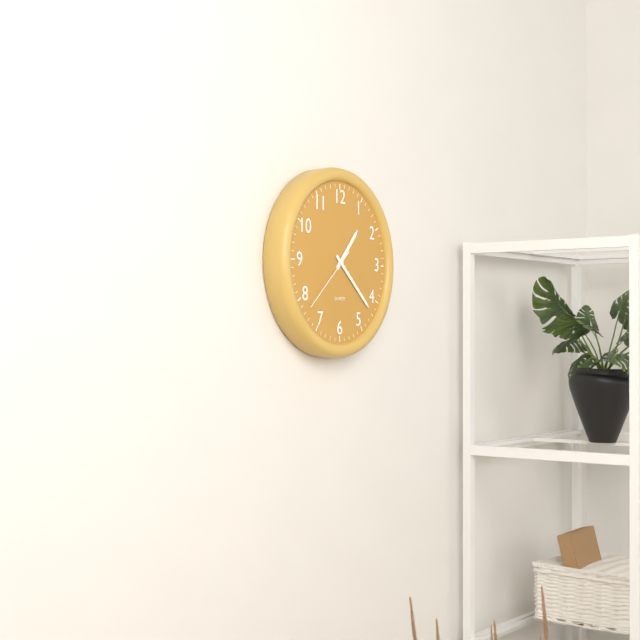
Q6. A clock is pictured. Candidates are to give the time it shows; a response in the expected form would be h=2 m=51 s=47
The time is h=1 m=22 s=38
